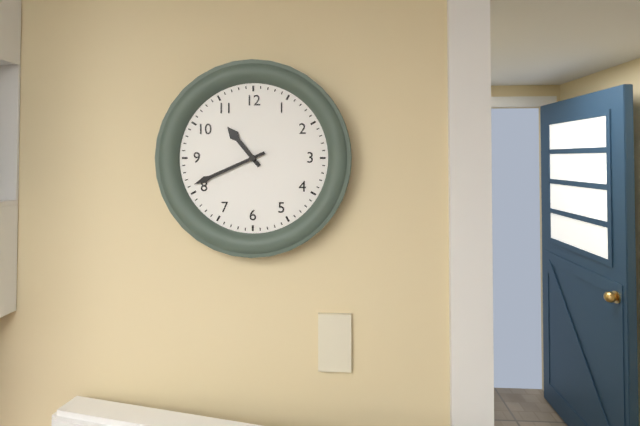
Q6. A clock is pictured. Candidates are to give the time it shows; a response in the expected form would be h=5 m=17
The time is h=10 m=41
